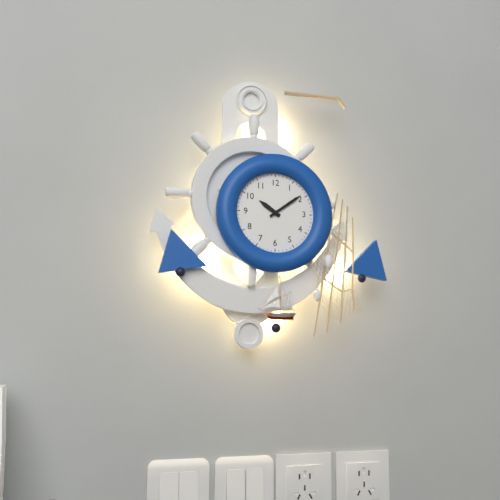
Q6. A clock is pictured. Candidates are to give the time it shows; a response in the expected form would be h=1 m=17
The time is h=10 m=9
